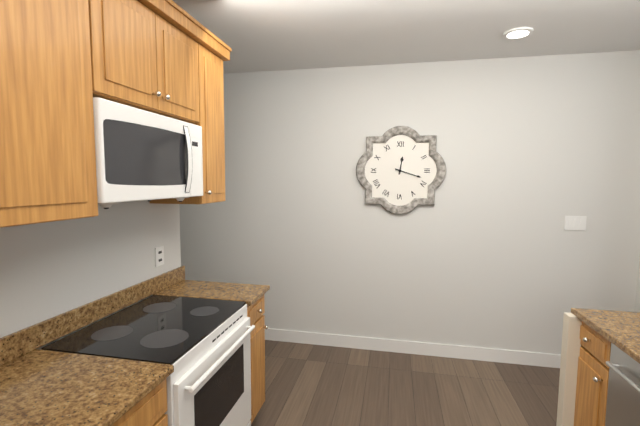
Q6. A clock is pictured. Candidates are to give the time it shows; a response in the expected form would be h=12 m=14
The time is h=12 m=18
